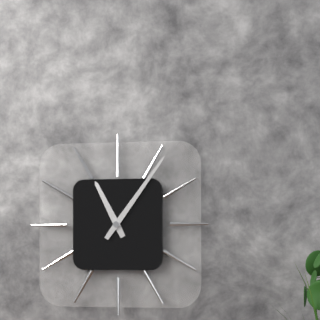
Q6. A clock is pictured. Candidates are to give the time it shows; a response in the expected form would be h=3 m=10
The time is h=11 m=6
